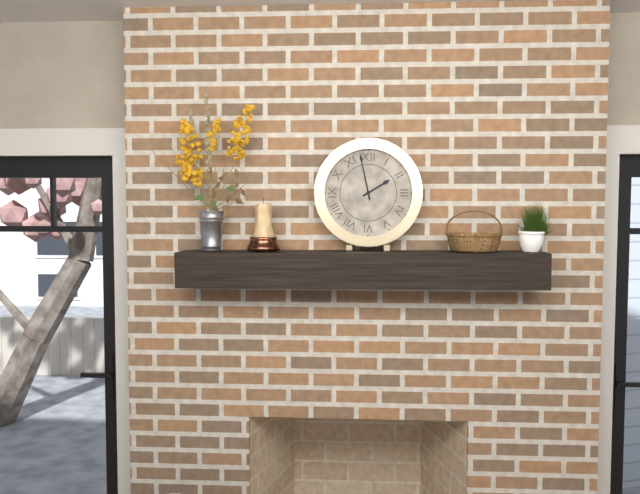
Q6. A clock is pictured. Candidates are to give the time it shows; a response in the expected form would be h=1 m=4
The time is h=1 m=58
